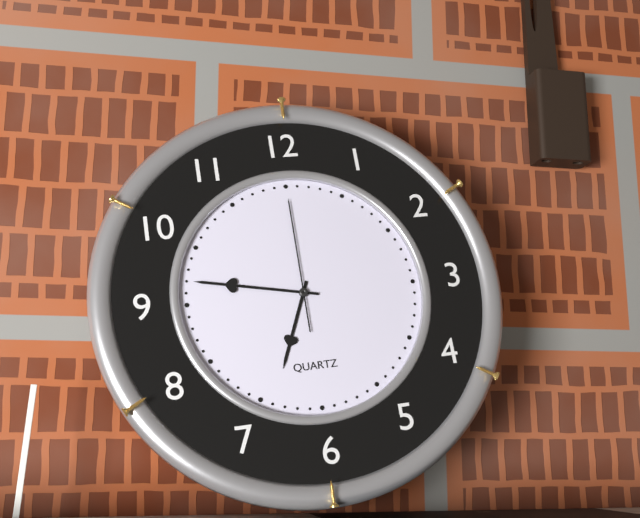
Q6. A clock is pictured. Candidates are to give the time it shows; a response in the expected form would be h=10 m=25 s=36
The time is h=6 m=47 s=0
